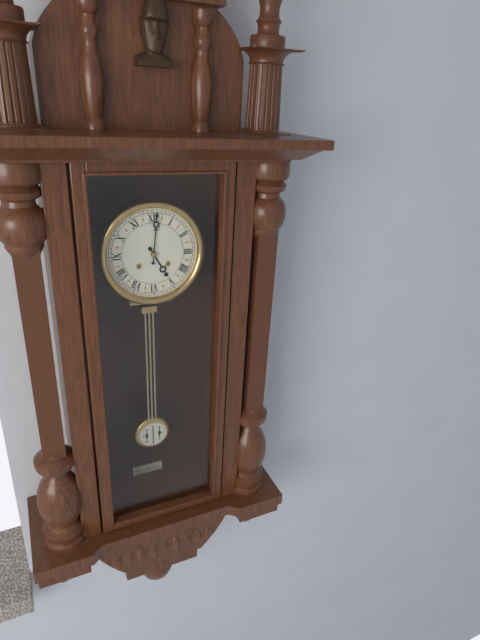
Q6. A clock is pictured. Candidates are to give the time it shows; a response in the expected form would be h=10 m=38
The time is h=5 m=1
